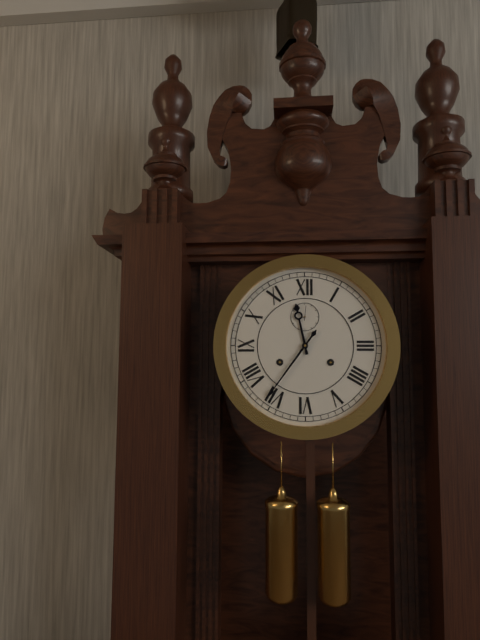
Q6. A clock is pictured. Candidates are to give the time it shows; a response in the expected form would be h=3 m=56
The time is h=11 m=36
